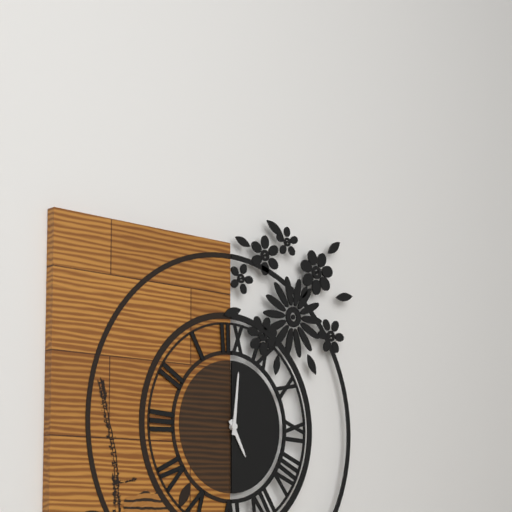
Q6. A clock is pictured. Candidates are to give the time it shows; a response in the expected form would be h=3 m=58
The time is h=5 m=1
